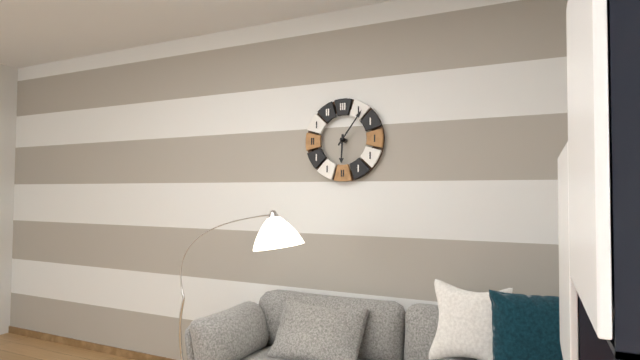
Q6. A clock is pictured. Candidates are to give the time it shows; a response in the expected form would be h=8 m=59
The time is h=6 m=6
